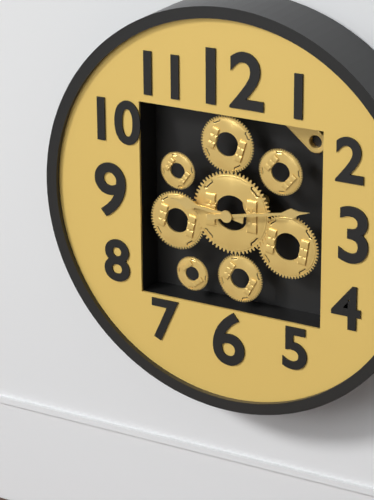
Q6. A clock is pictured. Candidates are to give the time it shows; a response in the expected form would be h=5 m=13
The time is h=9 m=13
